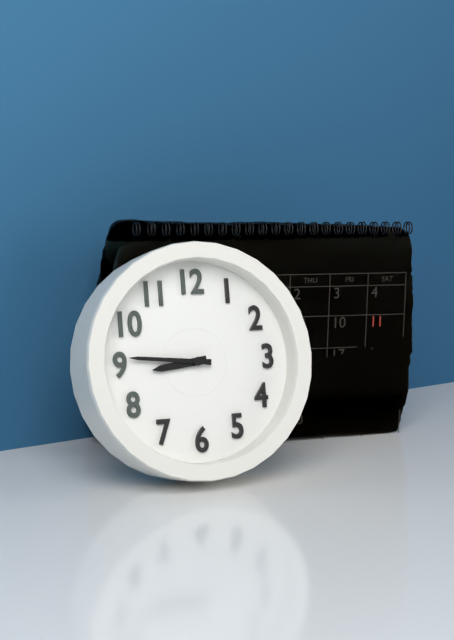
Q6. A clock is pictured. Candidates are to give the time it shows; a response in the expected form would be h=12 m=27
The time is h=8 m=46
